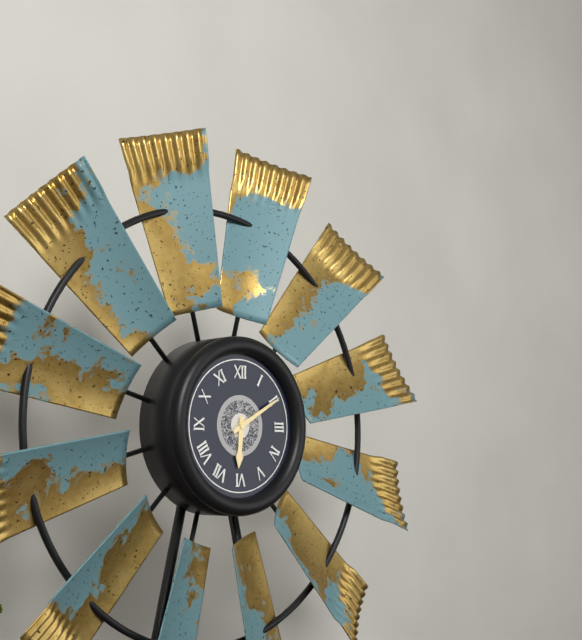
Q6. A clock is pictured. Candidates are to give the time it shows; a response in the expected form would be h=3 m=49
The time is h=6 m=10
